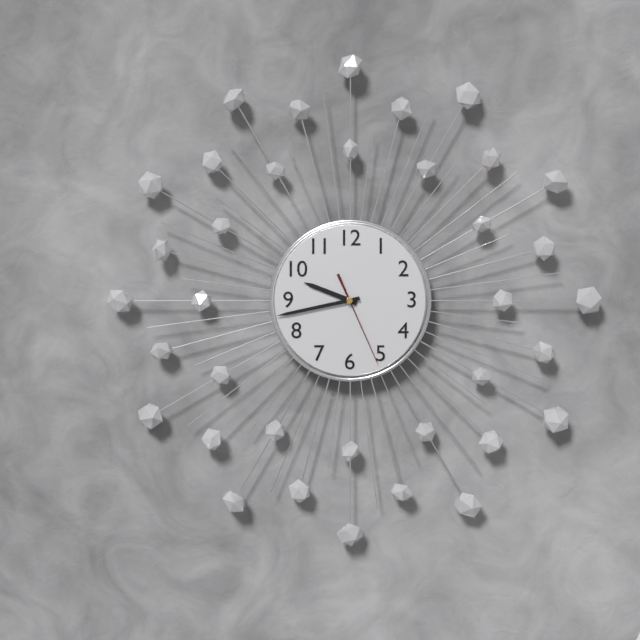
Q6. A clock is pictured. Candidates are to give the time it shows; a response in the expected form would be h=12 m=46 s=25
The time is h=9 m=43 s=26
